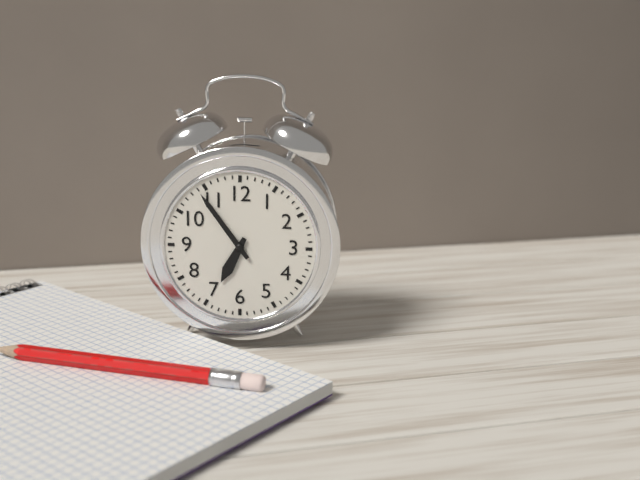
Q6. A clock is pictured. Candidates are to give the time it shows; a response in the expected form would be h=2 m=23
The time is h=6 m=54
